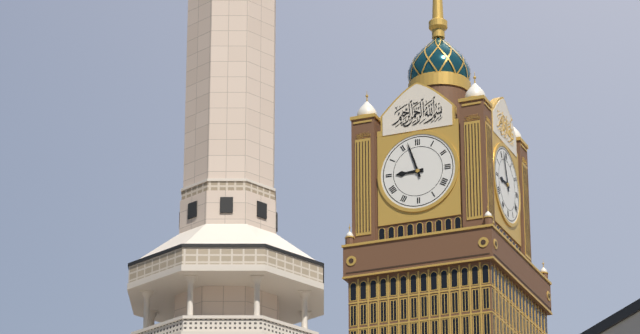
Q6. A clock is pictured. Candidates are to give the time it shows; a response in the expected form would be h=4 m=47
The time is h=8 m=57
